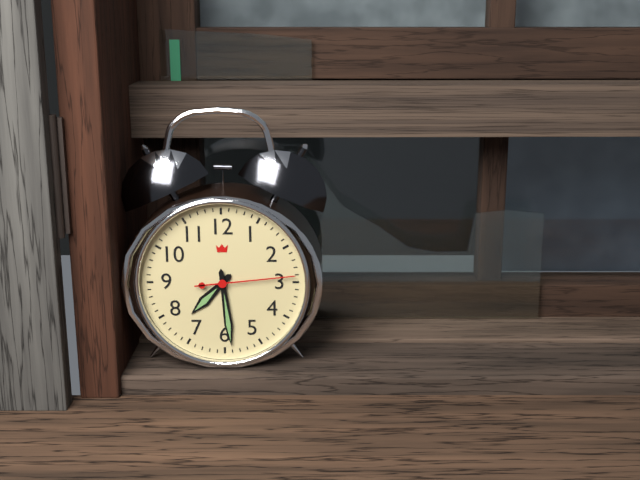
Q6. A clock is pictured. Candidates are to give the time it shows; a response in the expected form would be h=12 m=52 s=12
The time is h=7 m=29 s=14
